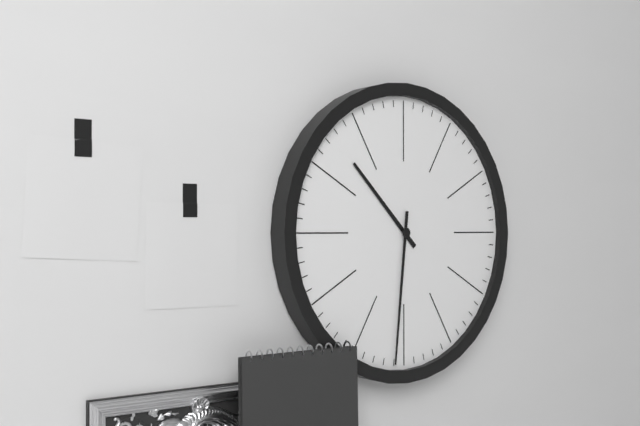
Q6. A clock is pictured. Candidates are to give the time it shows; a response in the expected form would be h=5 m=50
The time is h=10 m=31
